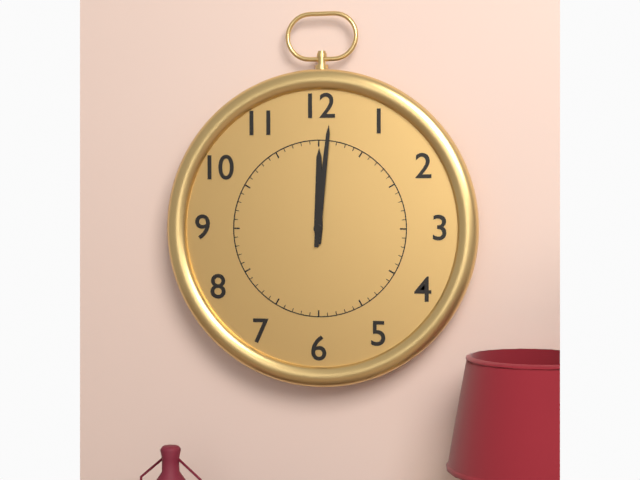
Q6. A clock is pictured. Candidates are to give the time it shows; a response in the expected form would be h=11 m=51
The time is h=12 m=1
